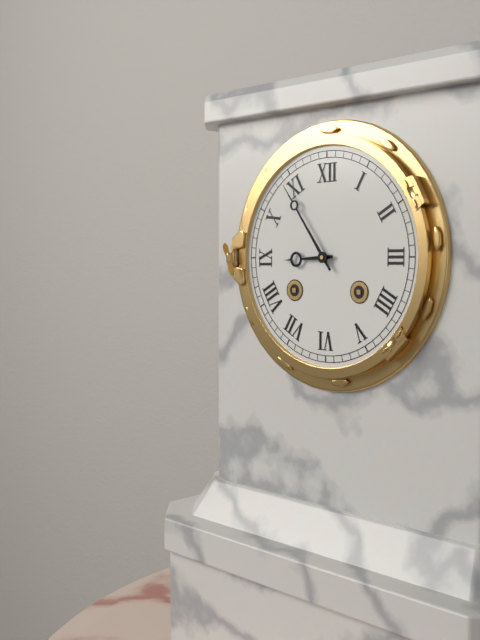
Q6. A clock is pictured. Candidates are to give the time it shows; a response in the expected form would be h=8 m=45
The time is h=8 m=54
